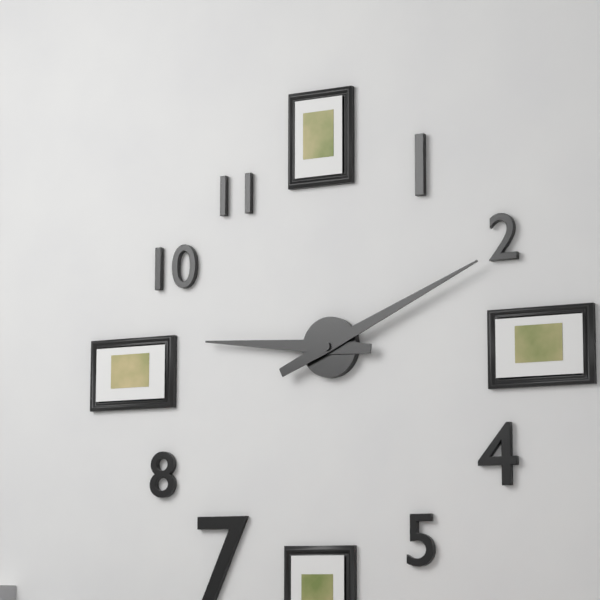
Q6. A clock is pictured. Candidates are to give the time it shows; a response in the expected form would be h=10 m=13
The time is h=9 m=11
